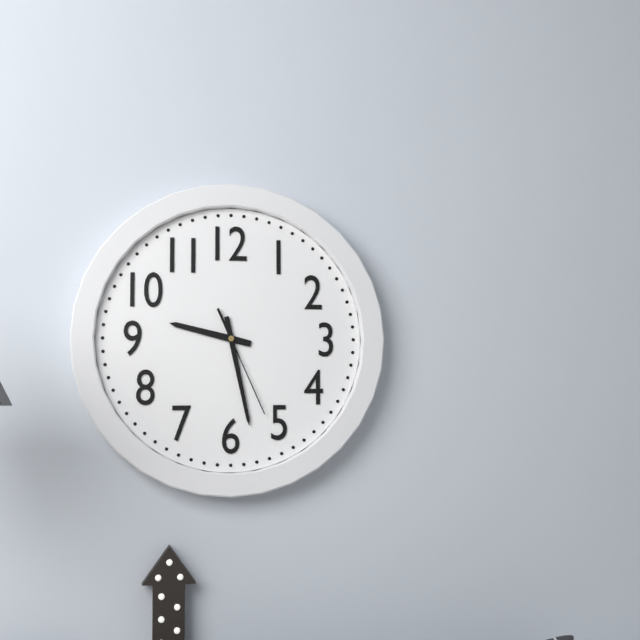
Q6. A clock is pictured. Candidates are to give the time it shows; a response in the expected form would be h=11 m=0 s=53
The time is h=9 m=28 s=26
